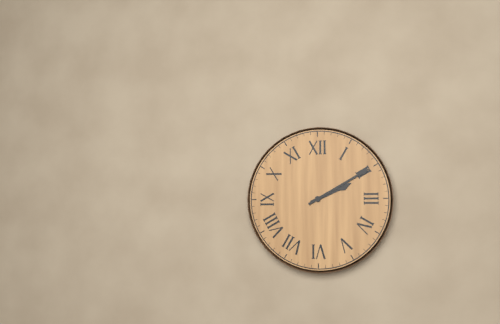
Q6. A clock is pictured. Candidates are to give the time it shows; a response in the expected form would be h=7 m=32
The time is h=2 m=10
